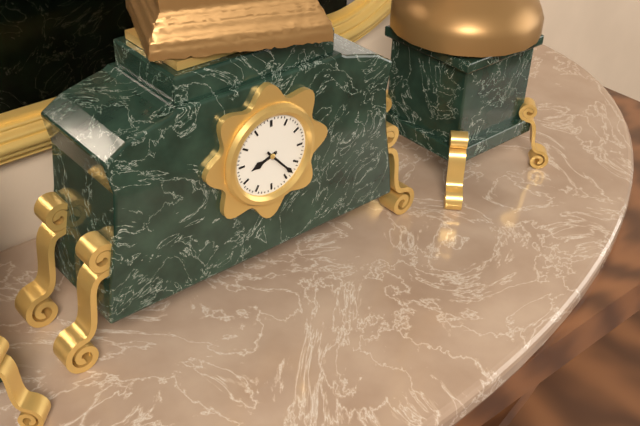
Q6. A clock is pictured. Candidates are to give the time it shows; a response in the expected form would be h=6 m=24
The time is h=8 m=23
